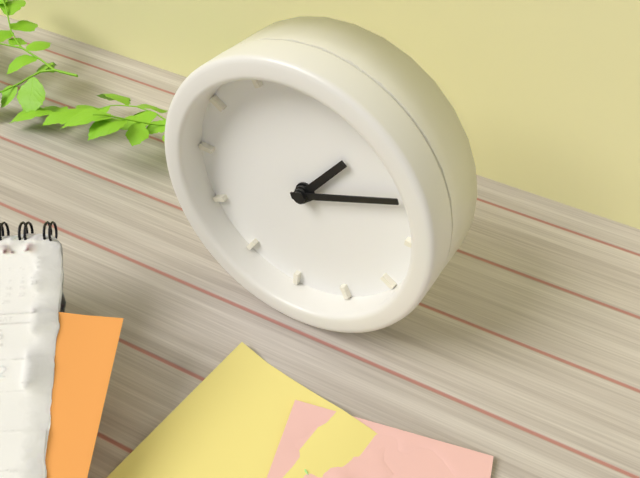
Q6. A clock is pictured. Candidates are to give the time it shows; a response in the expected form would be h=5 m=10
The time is h=1 m=11
